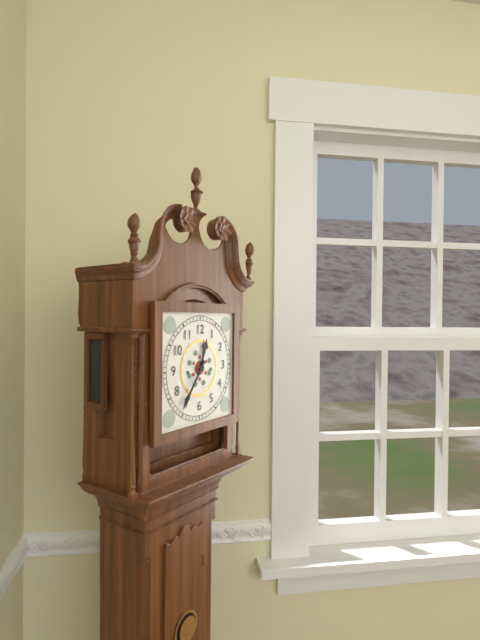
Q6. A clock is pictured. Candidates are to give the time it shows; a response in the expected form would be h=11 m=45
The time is h=12 m=36
